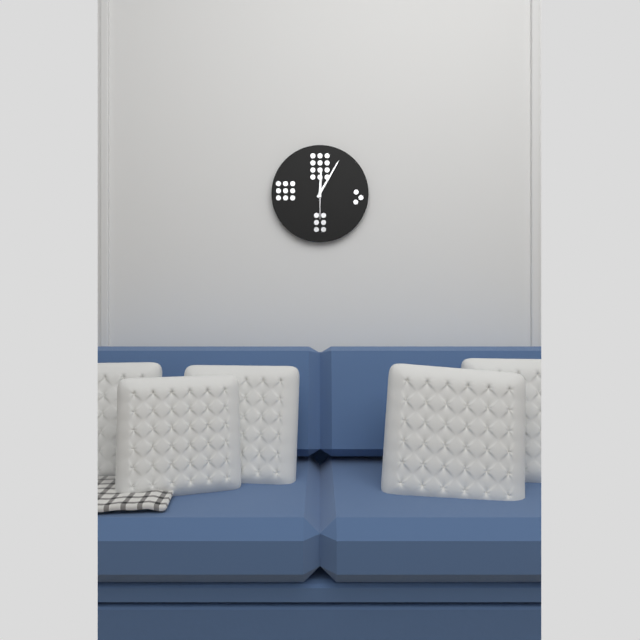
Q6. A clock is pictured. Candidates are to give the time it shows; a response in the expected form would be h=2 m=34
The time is h=12 m=5
